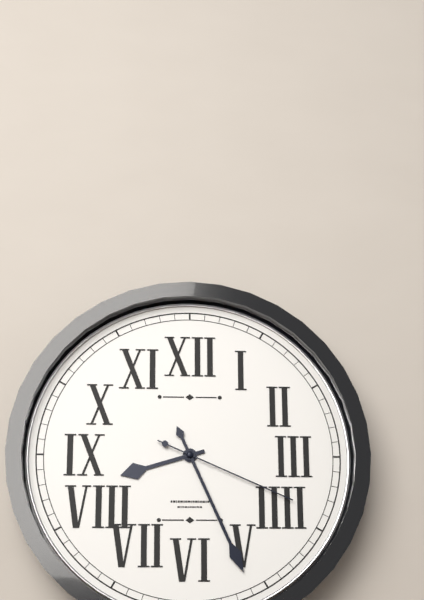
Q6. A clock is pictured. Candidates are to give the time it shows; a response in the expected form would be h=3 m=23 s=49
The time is h=8 m=26 s=19
